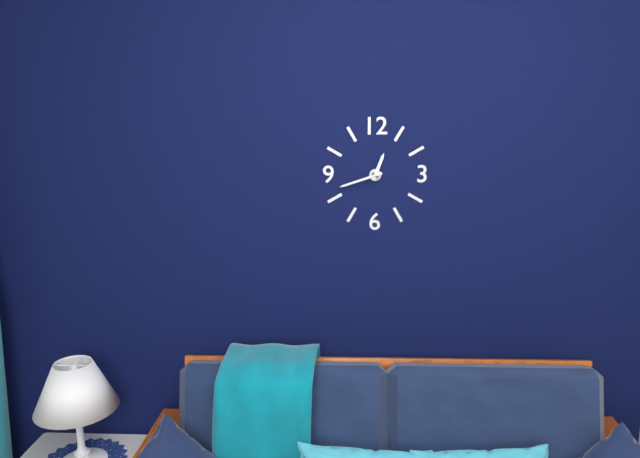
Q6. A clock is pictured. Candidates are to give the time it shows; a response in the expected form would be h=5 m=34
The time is h=12 m=42
